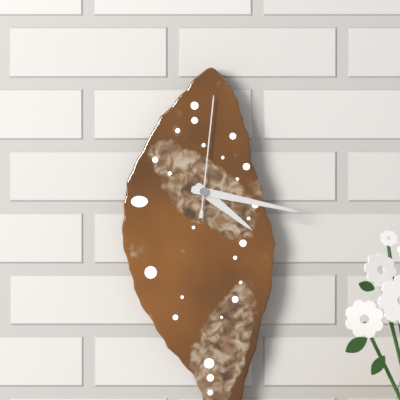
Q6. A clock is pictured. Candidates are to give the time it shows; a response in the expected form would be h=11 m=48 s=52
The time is h=4 m=17 s=1
